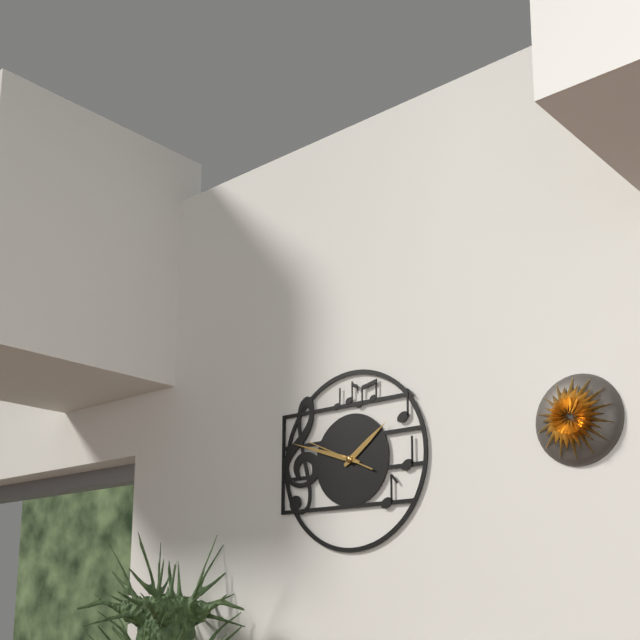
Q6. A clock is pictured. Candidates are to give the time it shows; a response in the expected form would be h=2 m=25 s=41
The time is h=1 m=48 s=49
